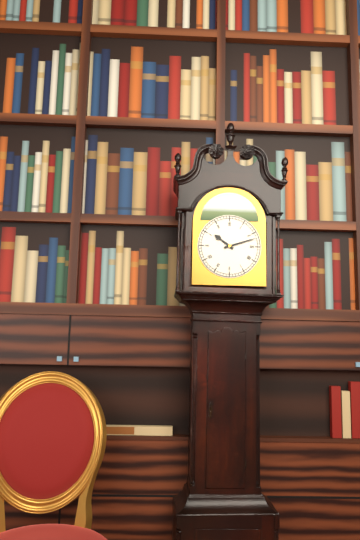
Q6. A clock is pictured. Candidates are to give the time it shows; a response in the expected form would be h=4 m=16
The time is h=10 m=12
